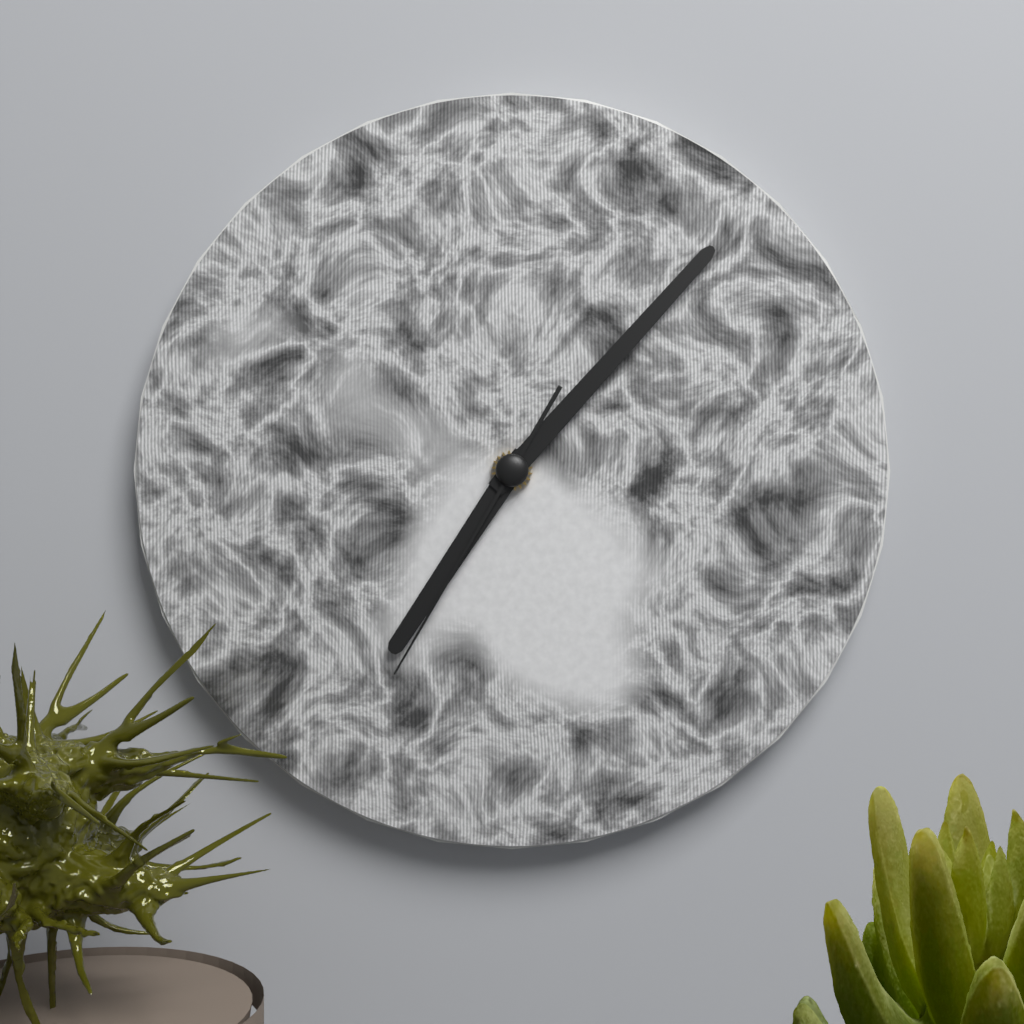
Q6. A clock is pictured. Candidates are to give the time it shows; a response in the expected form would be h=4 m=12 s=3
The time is h=7 m=7 s=35
